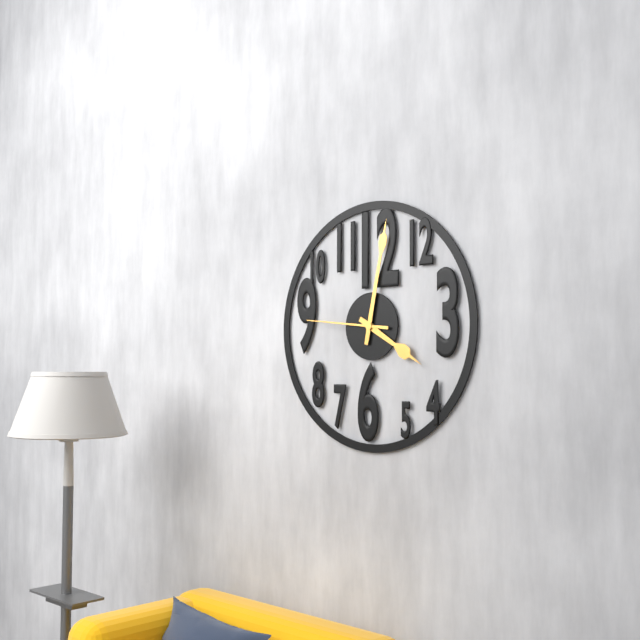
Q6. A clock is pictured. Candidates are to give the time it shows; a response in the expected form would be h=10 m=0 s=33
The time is h=4 m=2 s=46
